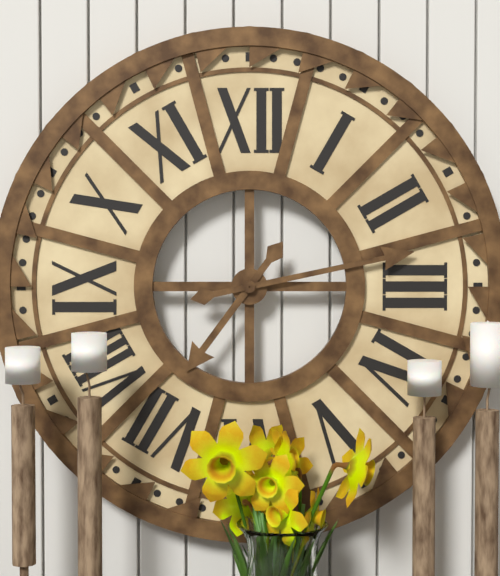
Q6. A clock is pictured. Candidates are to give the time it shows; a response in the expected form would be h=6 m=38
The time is h=7 m=13
